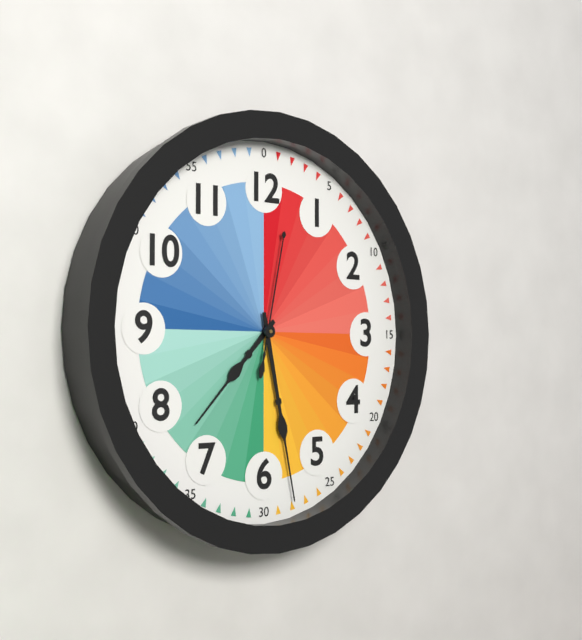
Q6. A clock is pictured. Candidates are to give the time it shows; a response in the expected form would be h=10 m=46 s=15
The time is h=7 m=28 s=2
